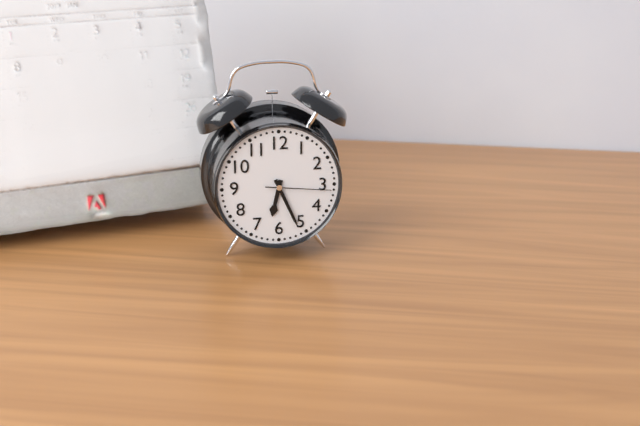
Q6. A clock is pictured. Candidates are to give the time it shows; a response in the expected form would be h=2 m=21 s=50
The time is h=6 m=26 s=16
